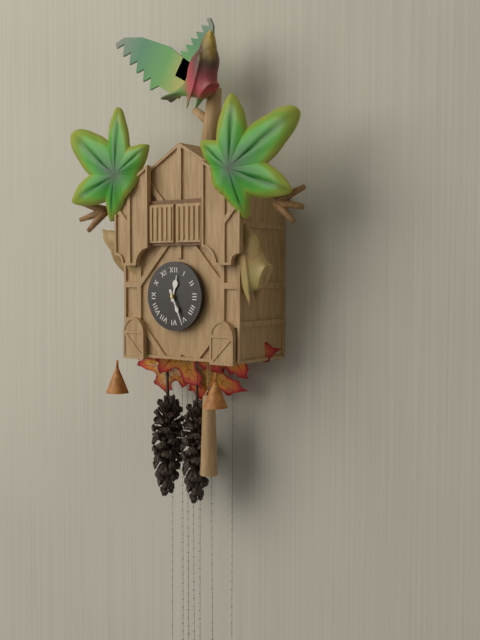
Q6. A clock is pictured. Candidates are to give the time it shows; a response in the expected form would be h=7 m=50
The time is h=12 m=26
